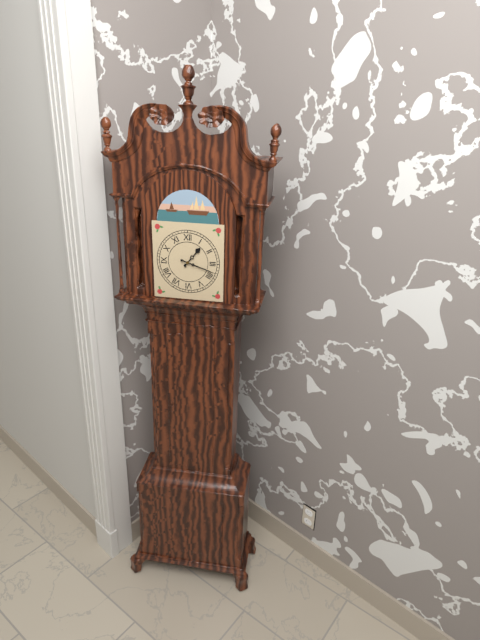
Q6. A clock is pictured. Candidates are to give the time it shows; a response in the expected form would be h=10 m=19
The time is h=1 m=18
